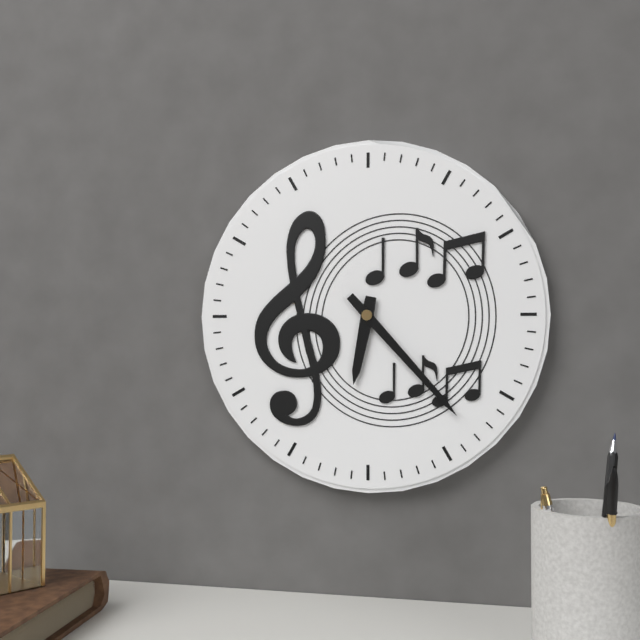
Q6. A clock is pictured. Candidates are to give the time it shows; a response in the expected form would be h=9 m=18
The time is h=6 m=23
